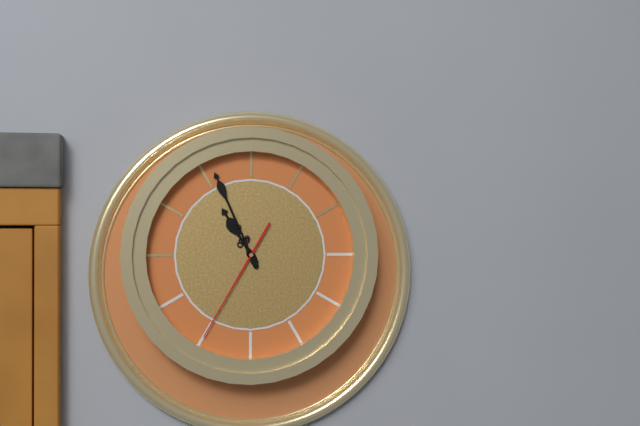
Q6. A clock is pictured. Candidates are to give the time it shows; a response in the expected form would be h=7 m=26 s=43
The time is h=10 m=56 s=35
